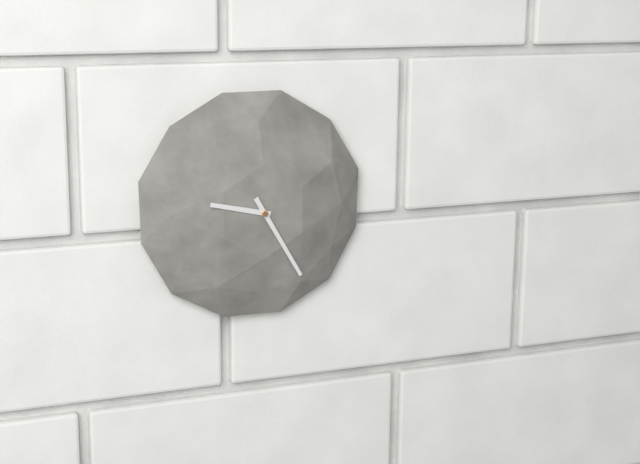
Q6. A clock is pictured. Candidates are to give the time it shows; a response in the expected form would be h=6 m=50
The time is h=9 m=25
